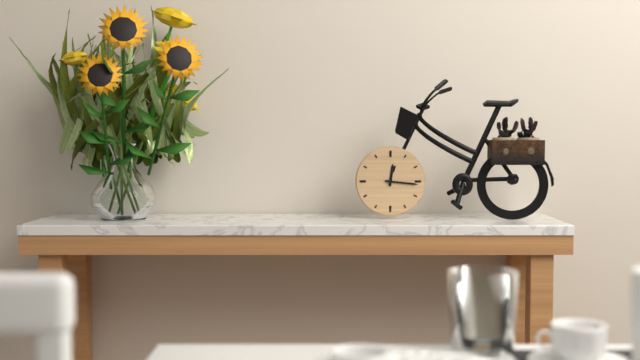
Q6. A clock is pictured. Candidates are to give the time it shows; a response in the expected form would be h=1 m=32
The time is h=12 m=16
